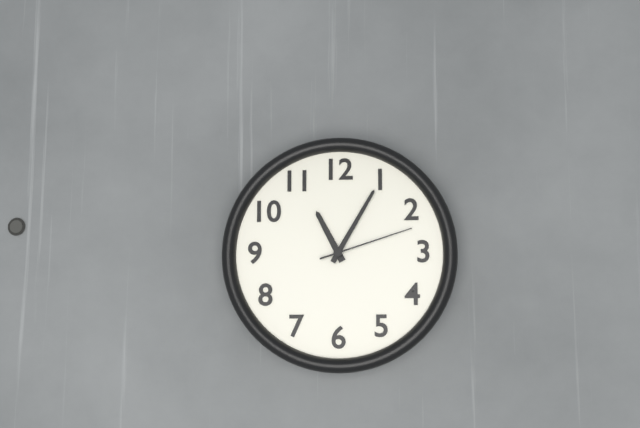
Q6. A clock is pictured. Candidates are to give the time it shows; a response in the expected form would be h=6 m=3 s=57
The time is h=11 m=5 s=12
